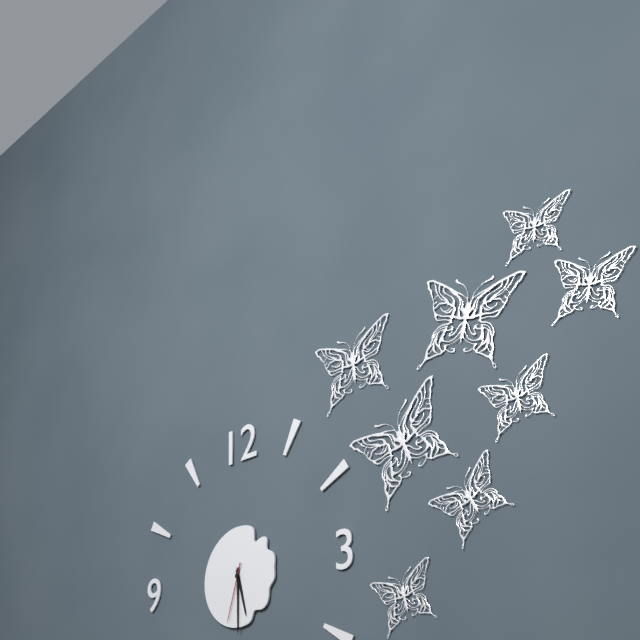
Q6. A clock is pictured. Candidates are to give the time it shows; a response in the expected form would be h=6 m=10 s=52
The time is h=5 m=30 s=33
